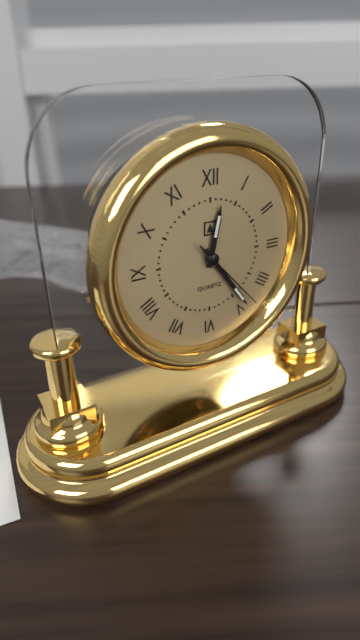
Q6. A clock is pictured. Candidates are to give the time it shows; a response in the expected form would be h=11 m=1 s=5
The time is h=12 m=24 s=23
